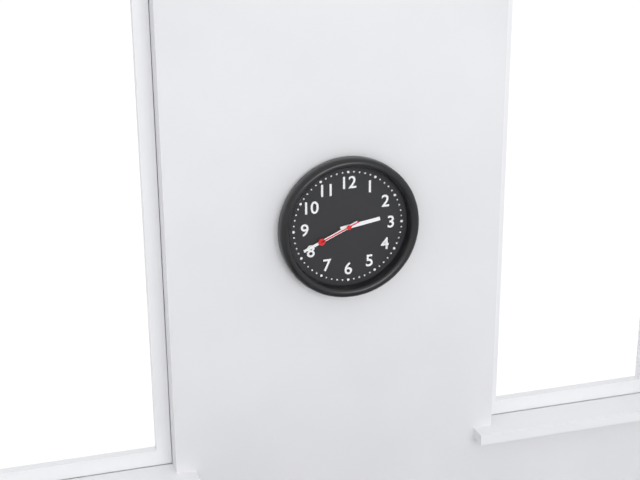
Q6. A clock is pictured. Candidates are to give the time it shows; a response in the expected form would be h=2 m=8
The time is h=2 m=41
